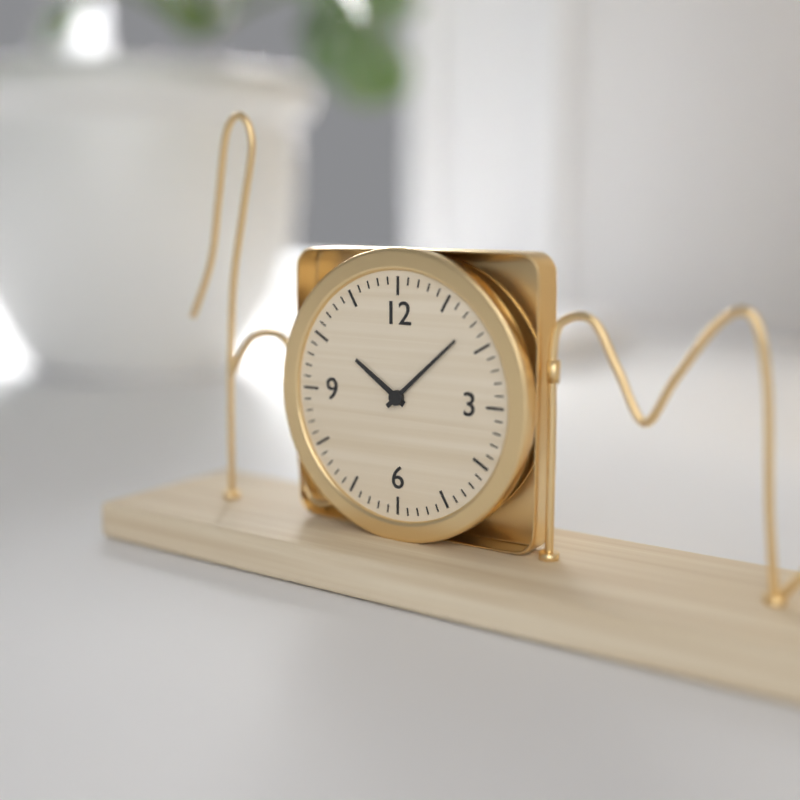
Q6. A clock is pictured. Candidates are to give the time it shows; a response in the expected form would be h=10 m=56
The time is h=10 m=8
